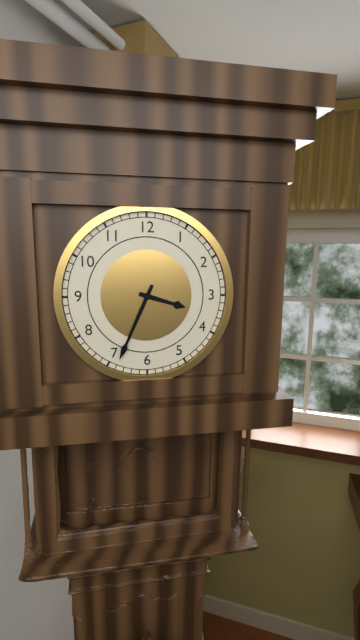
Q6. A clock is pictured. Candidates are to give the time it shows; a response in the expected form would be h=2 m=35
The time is h=3 m=34
